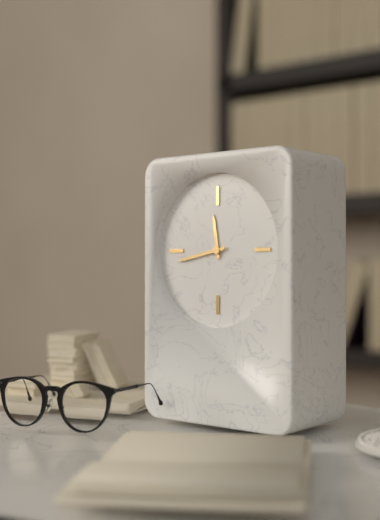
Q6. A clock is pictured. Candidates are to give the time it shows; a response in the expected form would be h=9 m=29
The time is h=11 m=43
